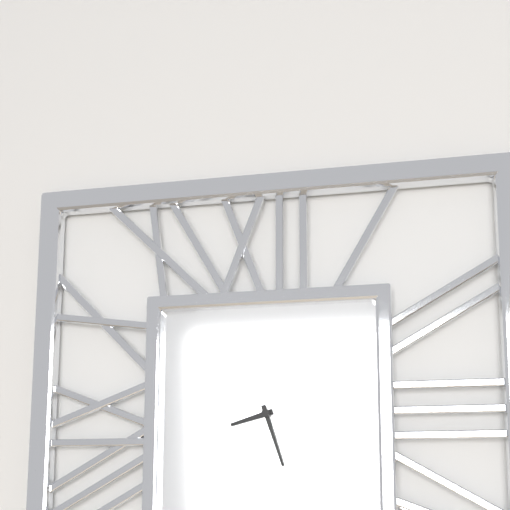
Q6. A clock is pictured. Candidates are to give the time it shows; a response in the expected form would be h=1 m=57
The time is h=8 m=27
